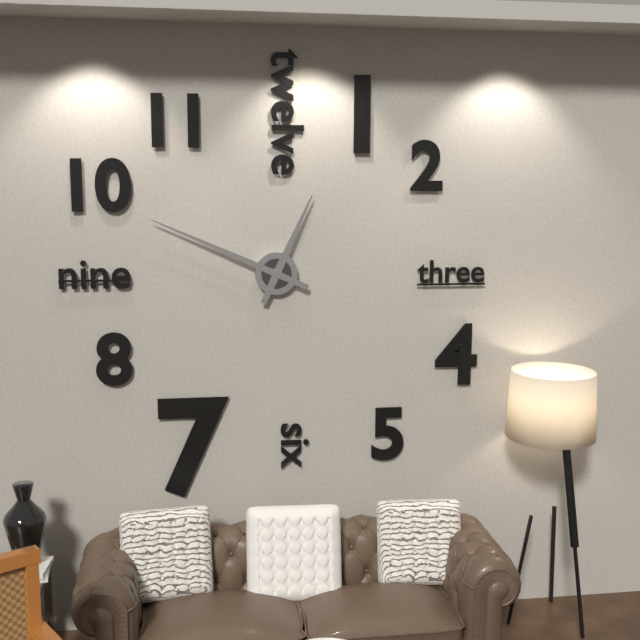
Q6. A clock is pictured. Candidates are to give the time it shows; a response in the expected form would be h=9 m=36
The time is h=12 m=49
